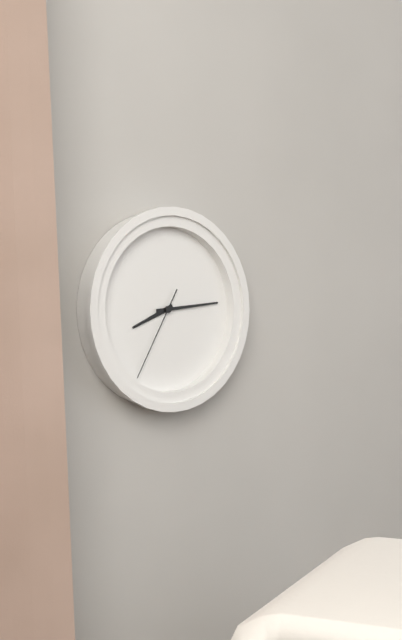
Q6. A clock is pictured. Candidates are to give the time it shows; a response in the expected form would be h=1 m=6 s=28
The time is h=8 m=14 s=35
